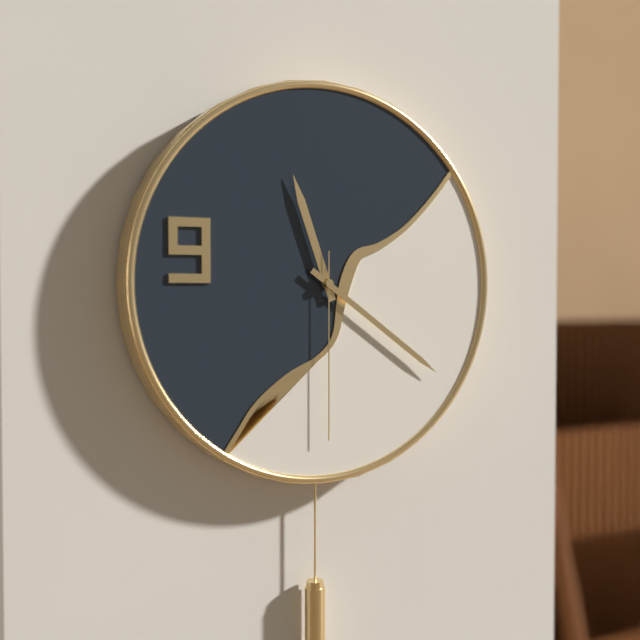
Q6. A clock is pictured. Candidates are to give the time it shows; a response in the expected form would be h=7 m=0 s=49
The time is h=11 m=21 s=30
